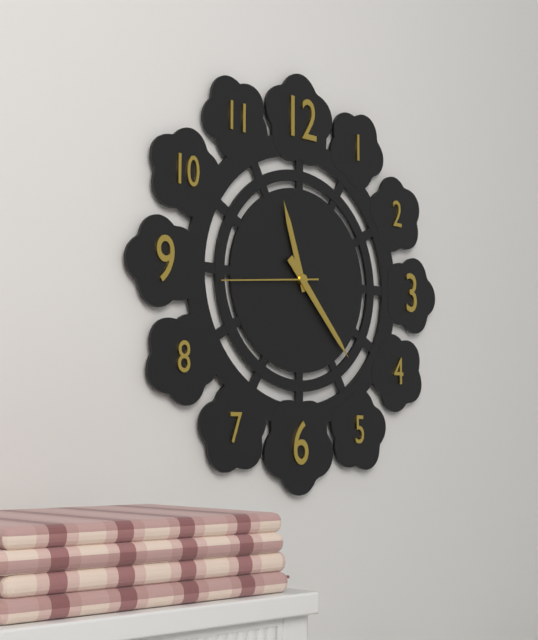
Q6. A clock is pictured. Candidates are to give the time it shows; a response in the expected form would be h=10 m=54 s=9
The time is h=11 m=23 s=44
